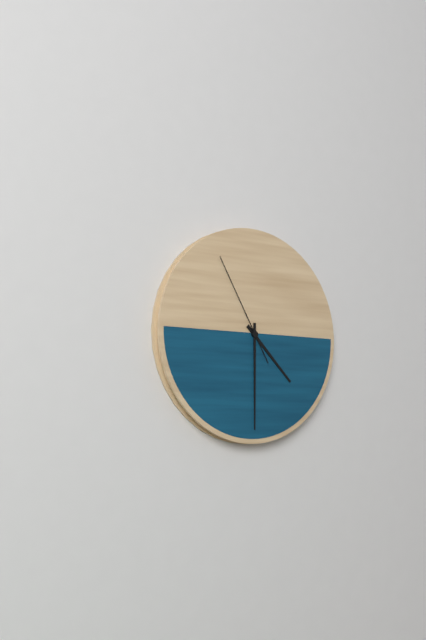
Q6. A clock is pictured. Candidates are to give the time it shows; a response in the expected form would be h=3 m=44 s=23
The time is h=4 m=30 s=55
